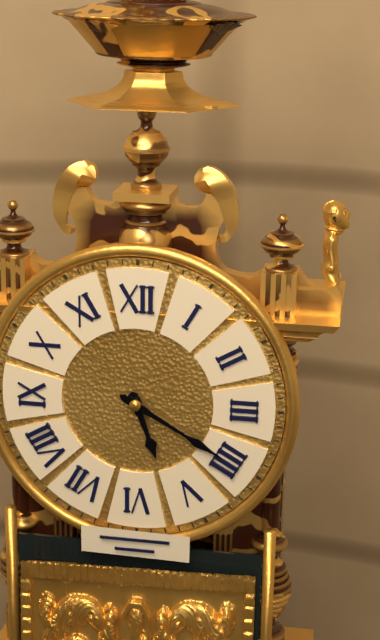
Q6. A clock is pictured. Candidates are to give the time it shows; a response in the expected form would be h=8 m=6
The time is h=5 m=20
